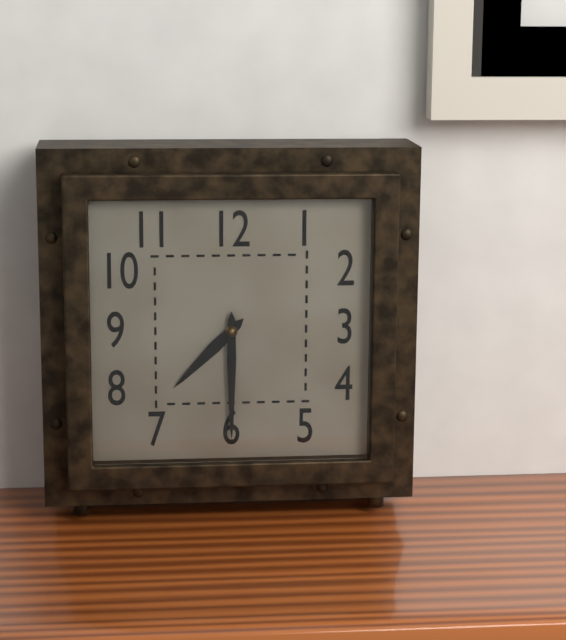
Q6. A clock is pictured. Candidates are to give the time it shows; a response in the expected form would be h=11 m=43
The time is h=7 m=30
